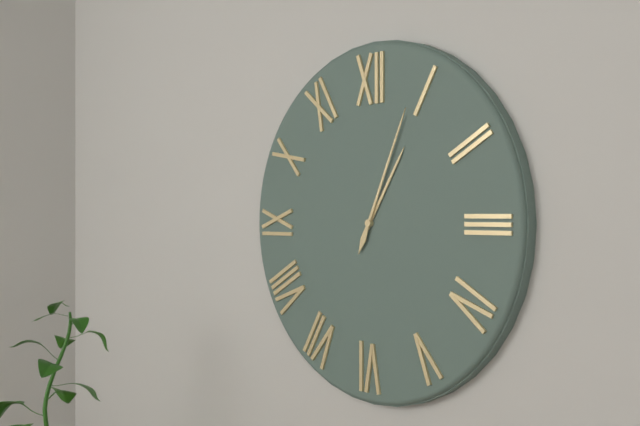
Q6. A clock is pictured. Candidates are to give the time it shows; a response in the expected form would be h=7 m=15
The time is h=1 m=4
